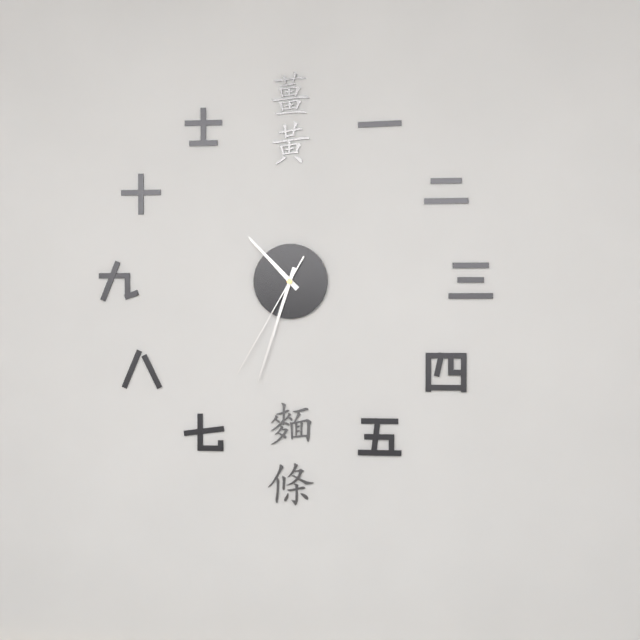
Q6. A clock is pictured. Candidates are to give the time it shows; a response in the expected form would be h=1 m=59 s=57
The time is h=10 m=33 s=35
